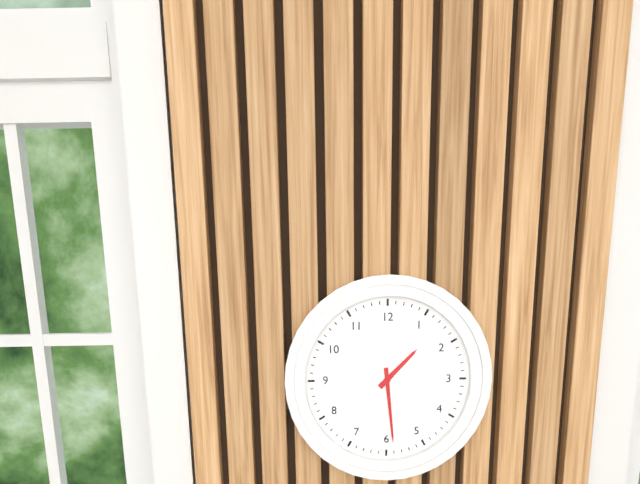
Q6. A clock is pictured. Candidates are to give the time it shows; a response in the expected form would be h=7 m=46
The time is h=1 m=29
